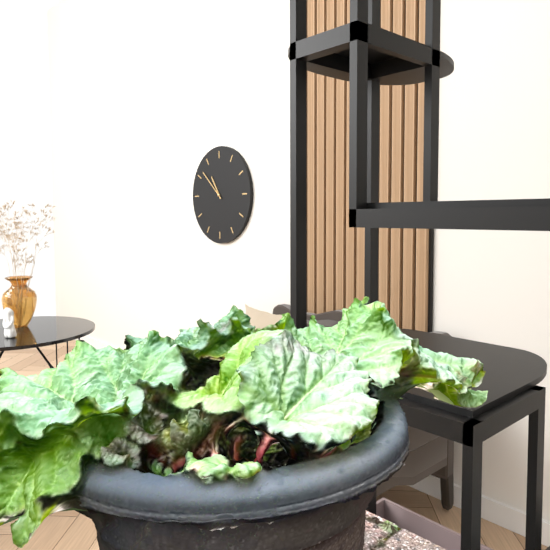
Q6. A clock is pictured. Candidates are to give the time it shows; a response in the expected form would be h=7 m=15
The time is h=10 m=52
